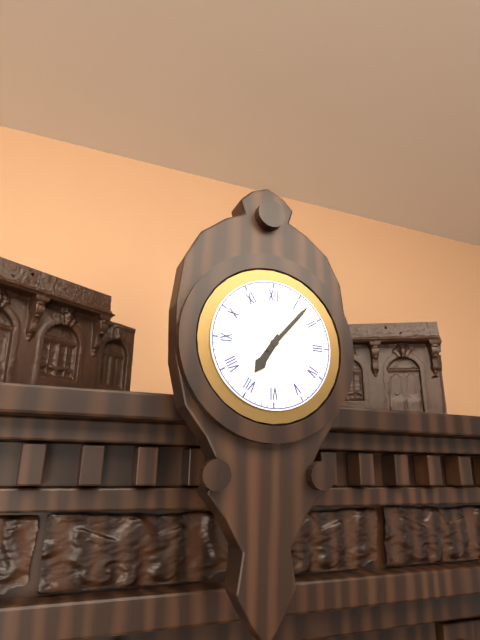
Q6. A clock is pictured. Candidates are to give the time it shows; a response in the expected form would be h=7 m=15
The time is h=7 m=7
